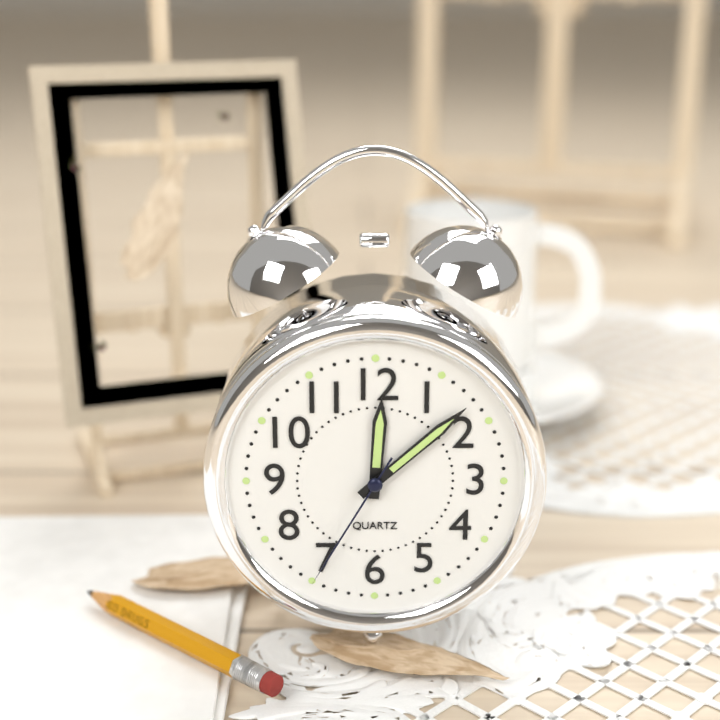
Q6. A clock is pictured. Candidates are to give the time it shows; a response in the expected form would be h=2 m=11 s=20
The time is h=12 m=8 s=35
